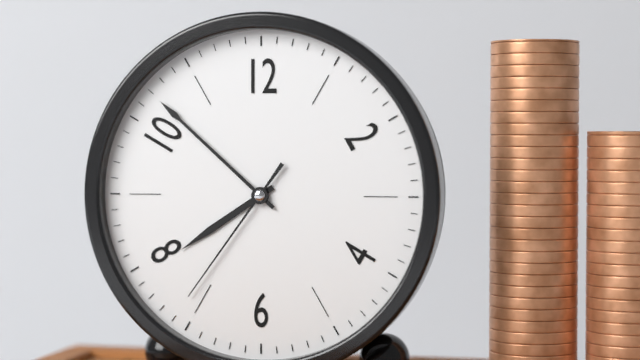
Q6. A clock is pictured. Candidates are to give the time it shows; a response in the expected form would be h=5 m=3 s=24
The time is h=7 m=52 s=36
